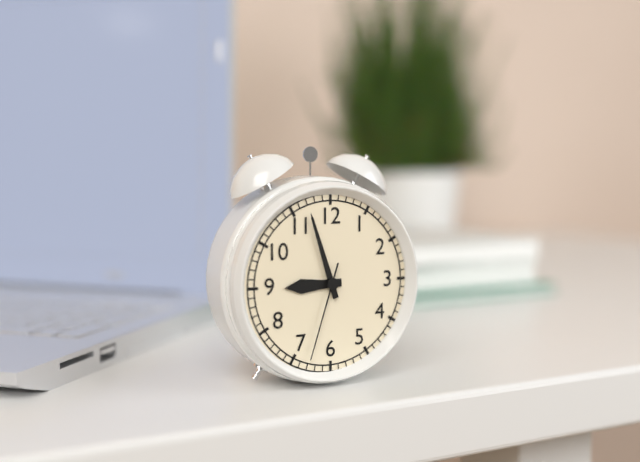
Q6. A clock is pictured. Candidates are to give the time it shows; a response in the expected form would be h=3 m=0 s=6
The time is h=8 m=57 s=33
